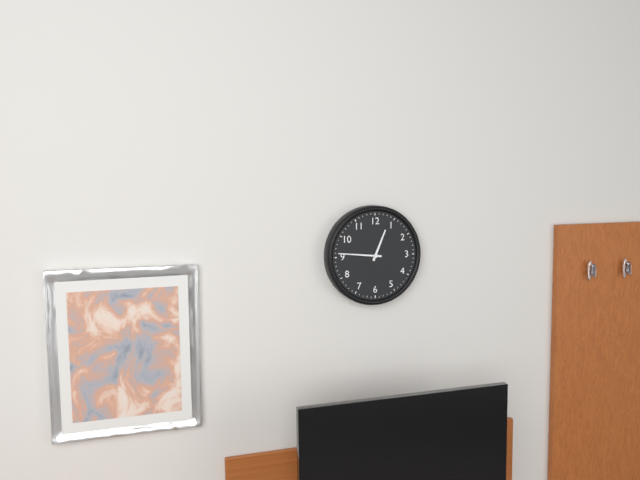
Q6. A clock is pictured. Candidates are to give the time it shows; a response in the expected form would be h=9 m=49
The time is h=12 m=46
